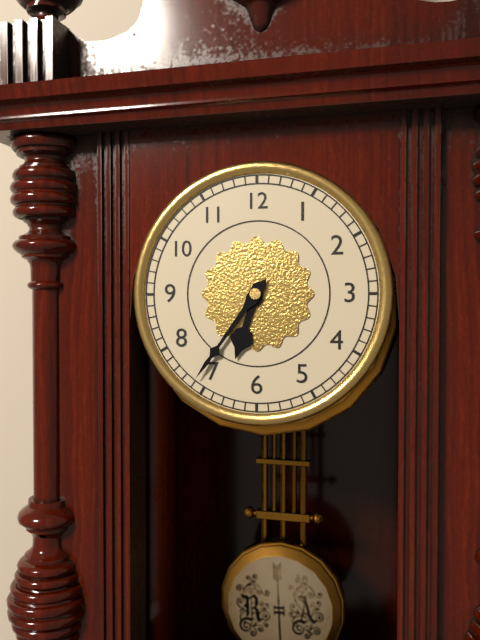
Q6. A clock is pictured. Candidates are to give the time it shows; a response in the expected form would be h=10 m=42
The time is h=6 m=36
